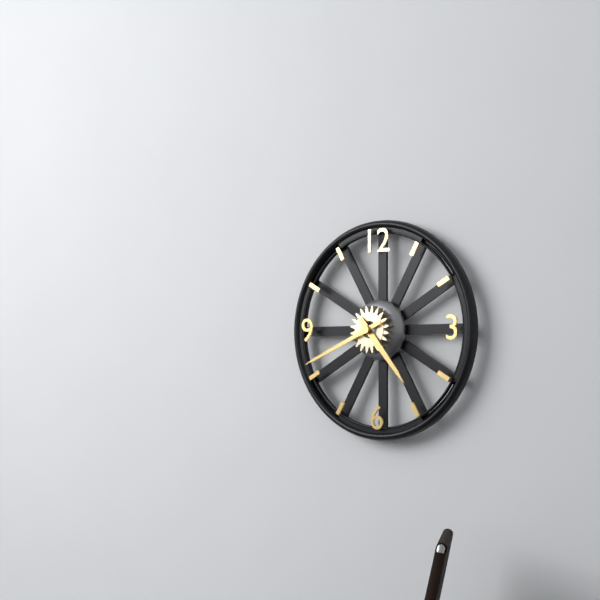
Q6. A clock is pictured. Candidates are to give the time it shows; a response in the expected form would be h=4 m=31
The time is h=4 m=41
